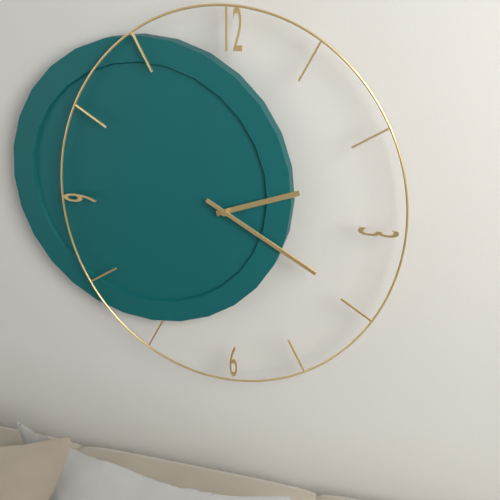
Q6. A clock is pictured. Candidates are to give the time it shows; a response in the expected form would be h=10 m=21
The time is h=2 m=20
